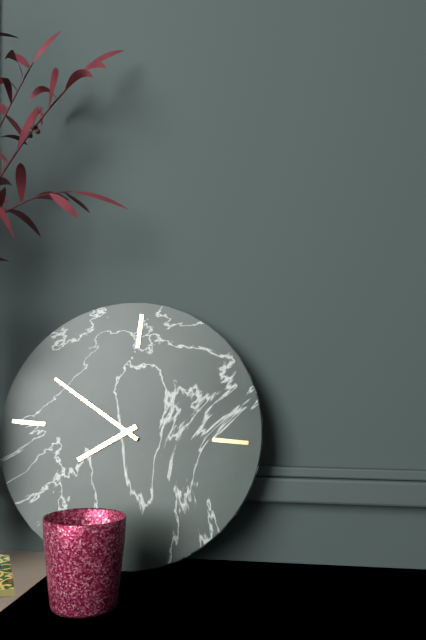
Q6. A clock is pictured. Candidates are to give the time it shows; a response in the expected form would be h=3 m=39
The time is h=7 m=50
